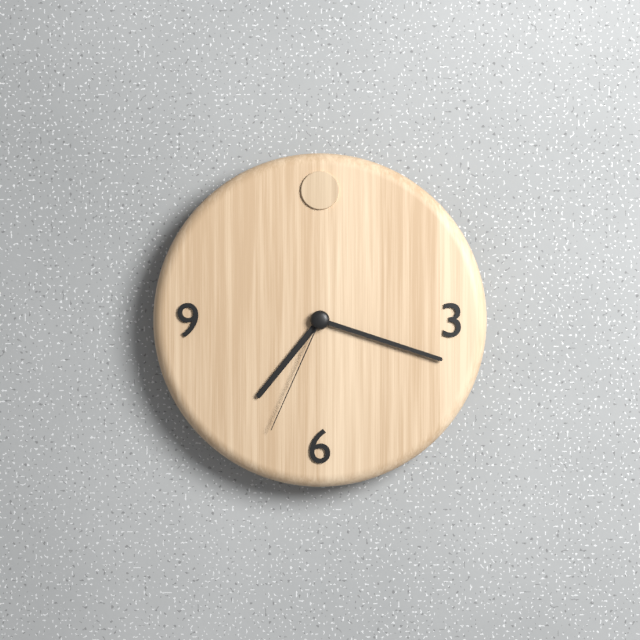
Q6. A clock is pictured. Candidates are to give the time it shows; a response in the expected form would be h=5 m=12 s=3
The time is h=7 m=18 s=34
